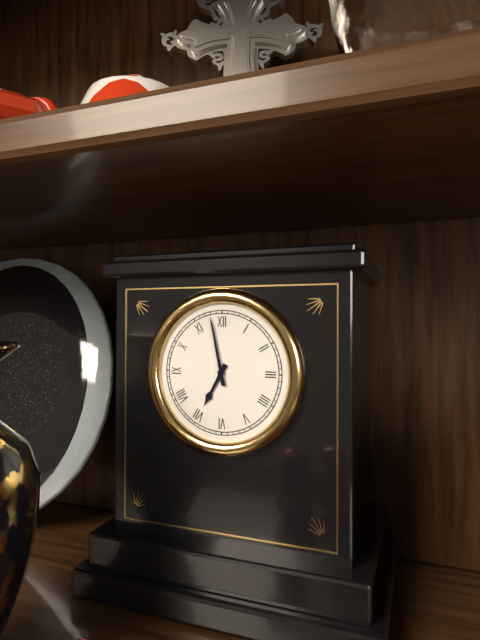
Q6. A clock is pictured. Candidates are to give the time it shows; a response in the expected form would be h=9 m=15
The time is h=6 m=58
